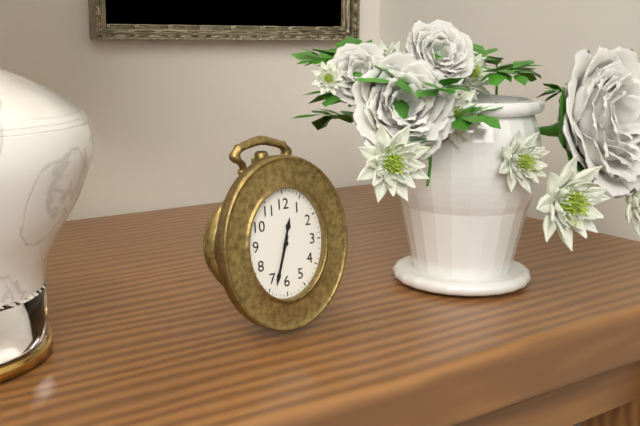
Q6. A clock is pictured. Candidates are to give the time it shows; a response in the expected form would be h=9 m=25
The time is h=12 m=33
